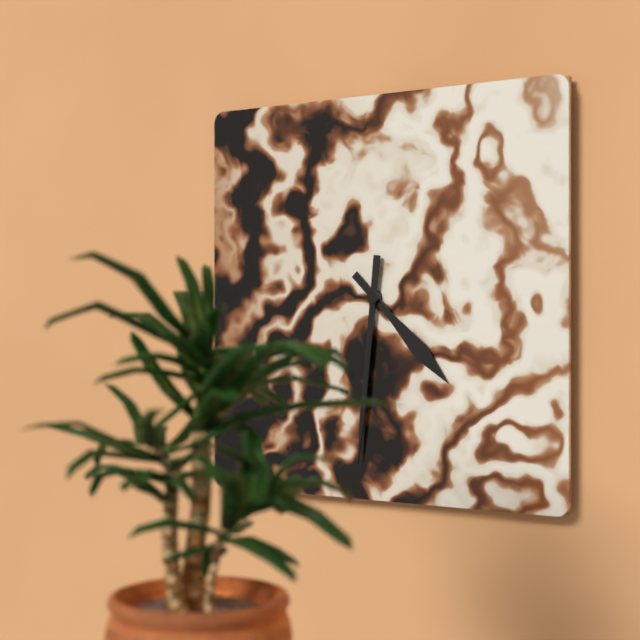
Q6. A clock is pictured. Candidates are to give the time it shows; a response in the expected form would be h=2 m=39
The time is h=4 m=31
